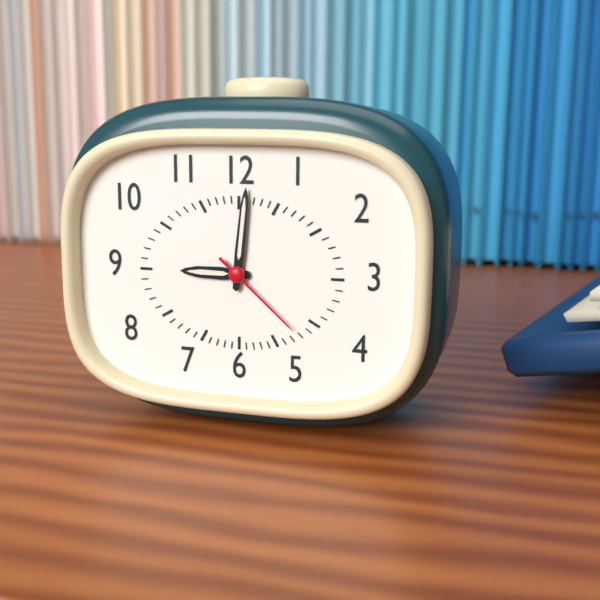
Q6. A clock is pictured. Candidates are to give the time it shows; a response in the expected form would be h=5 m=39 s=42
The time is h=9 m=1 s=22
